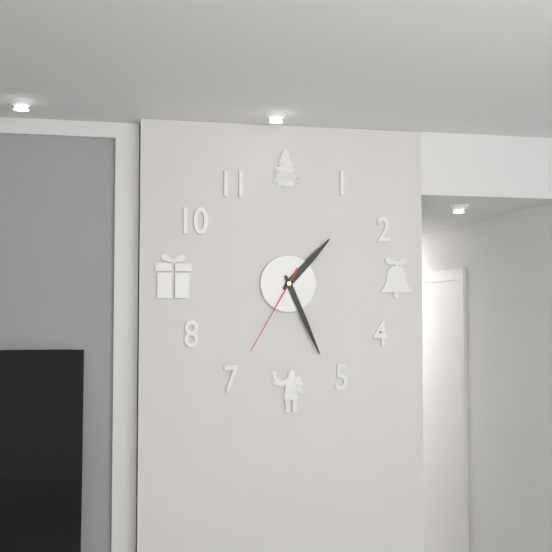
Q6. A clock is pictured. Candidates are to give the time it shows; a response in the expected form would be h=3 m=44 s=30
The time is h=1 m=26 s=35
